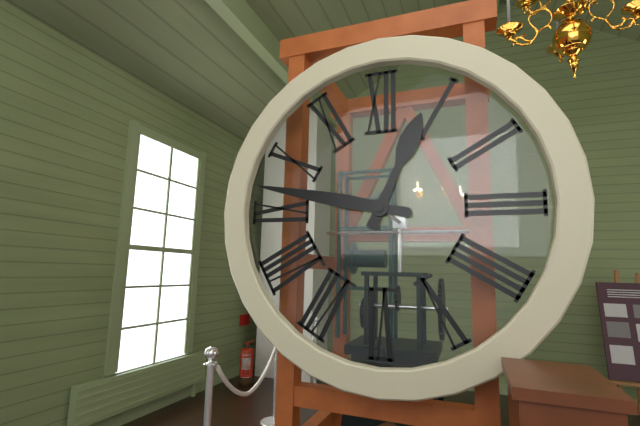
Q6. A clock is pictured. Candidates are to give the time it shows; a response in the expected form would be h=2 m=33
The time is h=12 m=47
